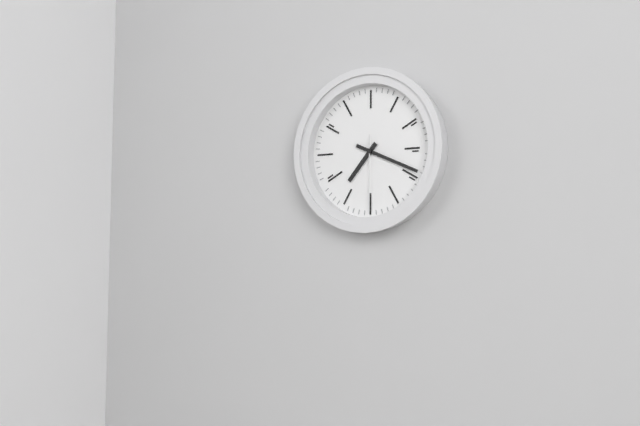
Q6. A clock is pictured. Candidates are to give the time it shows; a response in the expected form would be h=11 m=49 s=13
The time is h=7 m=19 s=30
